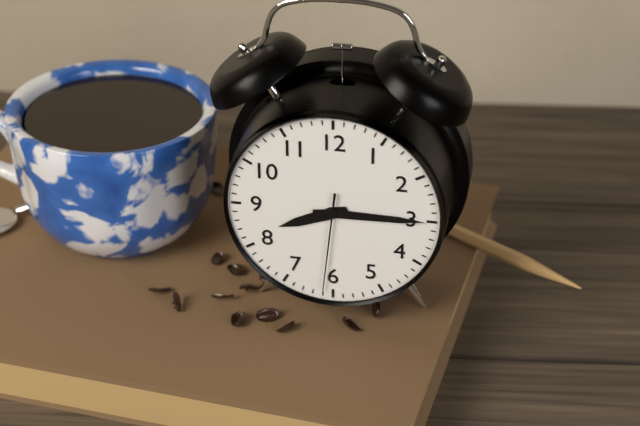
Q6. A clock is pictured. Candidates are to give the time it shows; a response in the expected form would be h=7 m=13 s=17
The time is h=8 m=15 s=31
